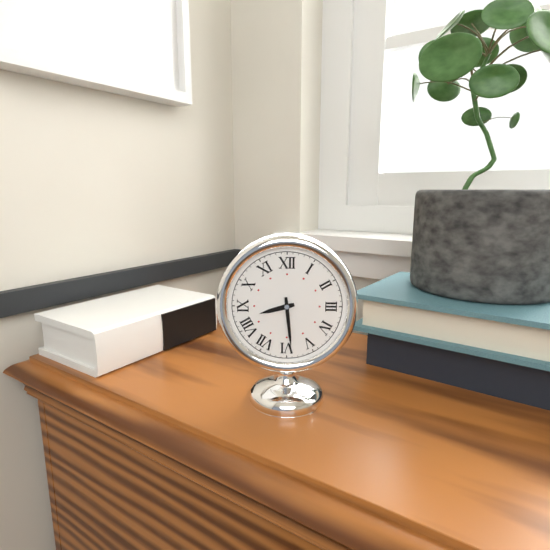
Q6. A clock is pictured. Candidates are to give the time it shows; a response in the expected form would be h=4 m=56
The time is h=8 m=29
